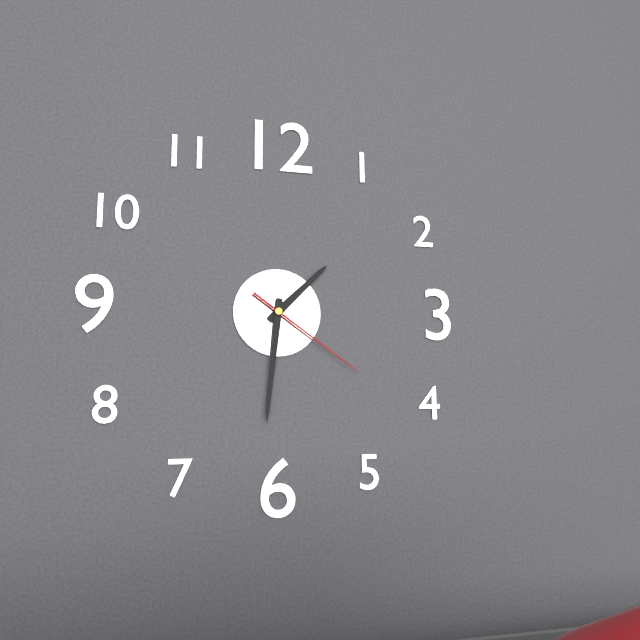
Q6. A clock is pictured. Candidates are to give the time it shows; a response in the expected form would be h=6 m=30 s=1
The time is h=1 m=31 s=21
